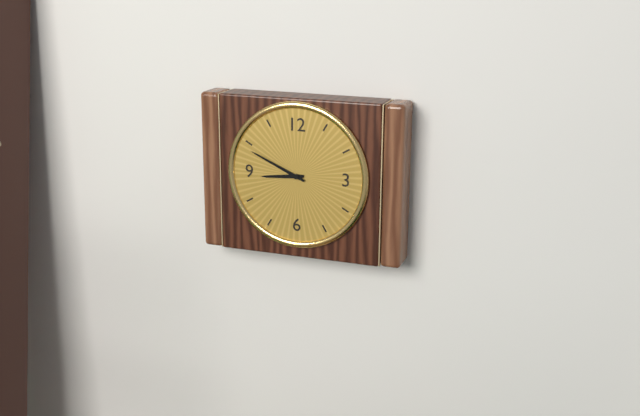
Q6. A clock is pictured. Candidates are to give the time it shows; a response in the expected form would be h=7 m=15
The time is h=8 m=49
